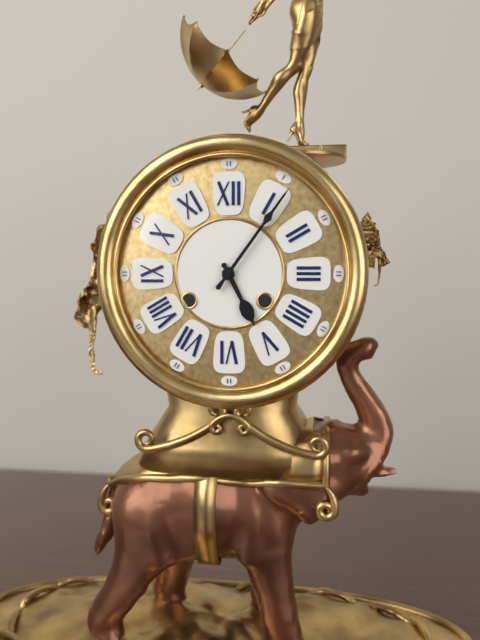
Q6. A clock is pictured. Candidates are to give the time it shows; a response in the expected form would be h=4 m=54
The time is h=5 m=6
